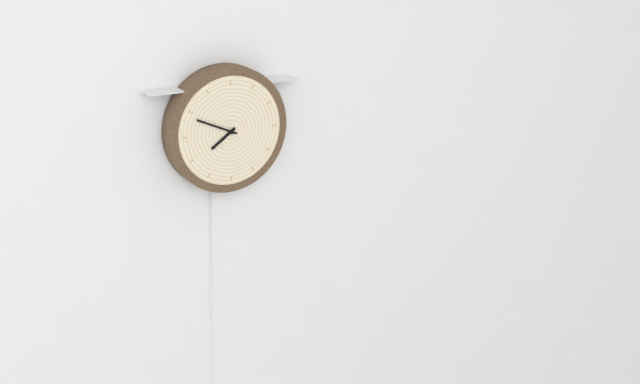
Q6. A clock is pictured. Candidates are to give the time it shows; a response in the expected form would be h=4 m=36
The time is h=7 m=49
